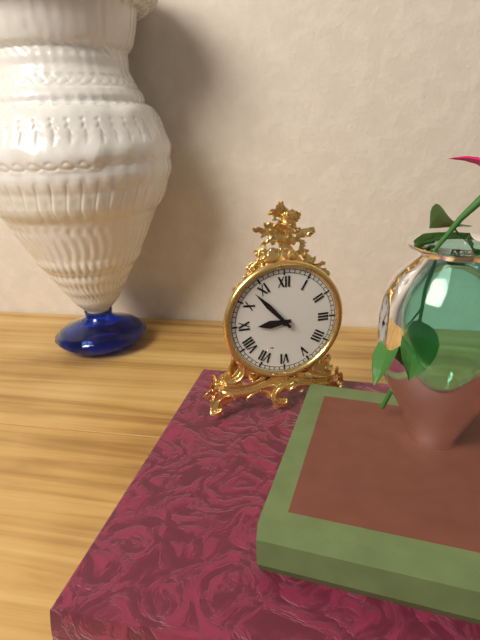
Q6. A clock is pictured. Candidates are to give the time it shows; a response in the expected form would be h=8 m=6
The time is h=8 m=53
